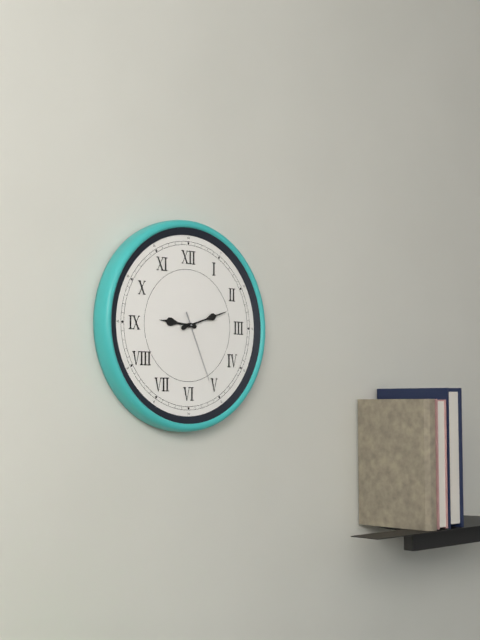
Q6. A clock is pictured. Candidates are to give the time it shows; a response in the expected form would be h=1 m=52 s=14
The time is h=9 m=12 s=26
